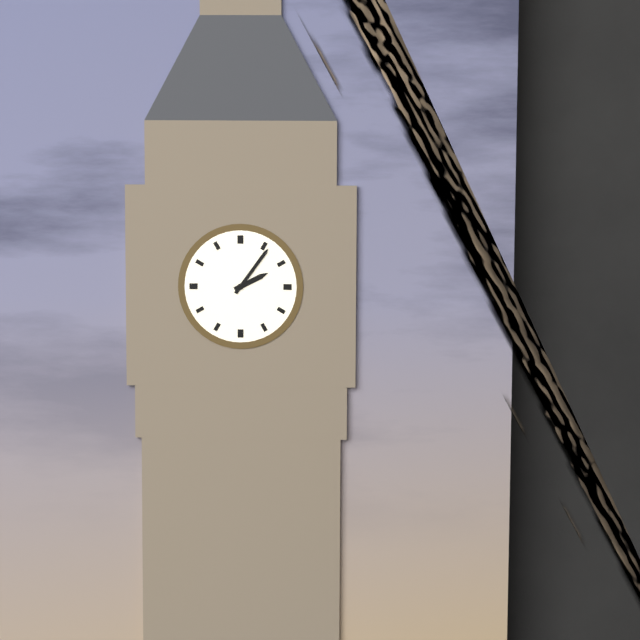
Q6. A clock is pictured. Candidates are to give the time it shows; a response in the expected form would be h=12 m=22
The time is h=2 m=6
